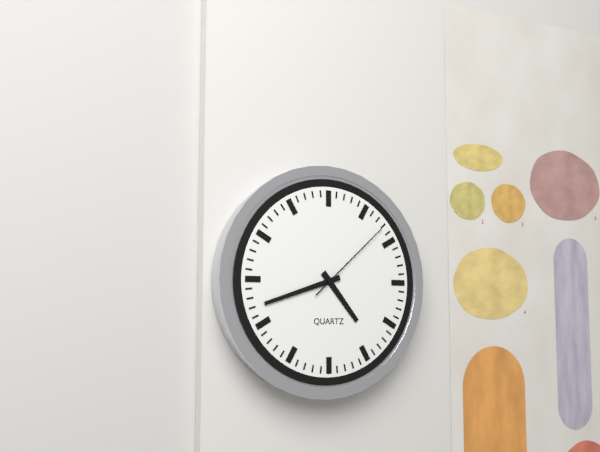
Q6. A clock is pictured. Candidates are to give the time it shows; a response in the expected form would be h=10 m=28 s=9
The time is h=4 m=42 s=8
